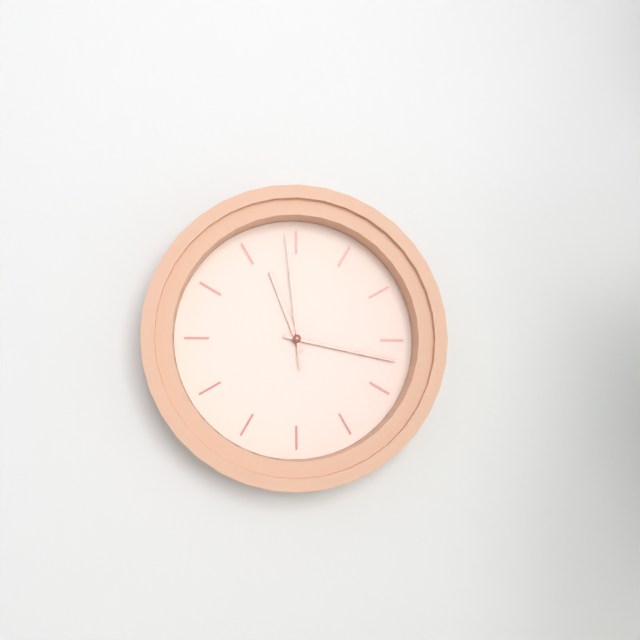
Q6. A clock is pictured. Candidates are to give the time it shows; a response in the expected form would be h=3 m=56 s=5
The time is h=11 m=17 s=59
